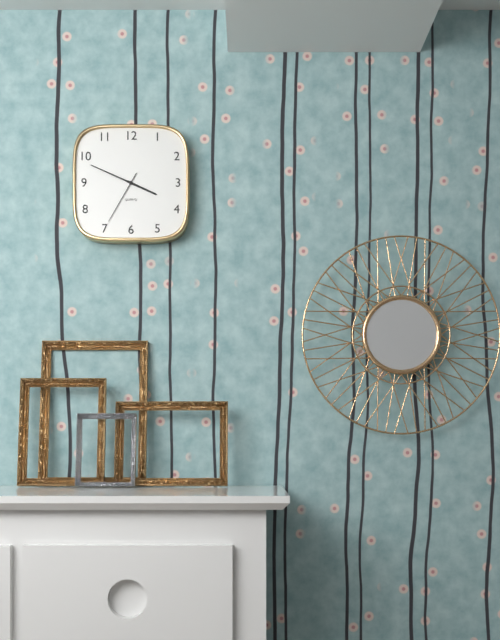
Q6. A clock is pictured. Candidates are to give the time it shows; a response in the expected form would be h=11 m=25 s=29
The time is h=3 m=49 s=35
